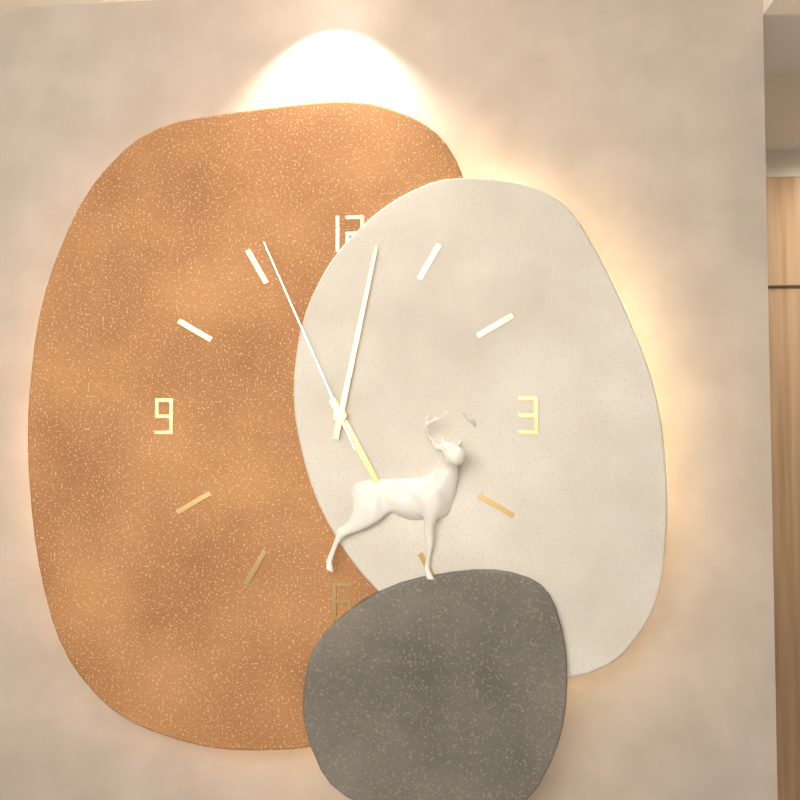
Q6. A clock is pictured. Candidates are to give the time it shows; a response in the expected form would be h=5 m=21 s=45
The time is h=5 m=2 s=56
